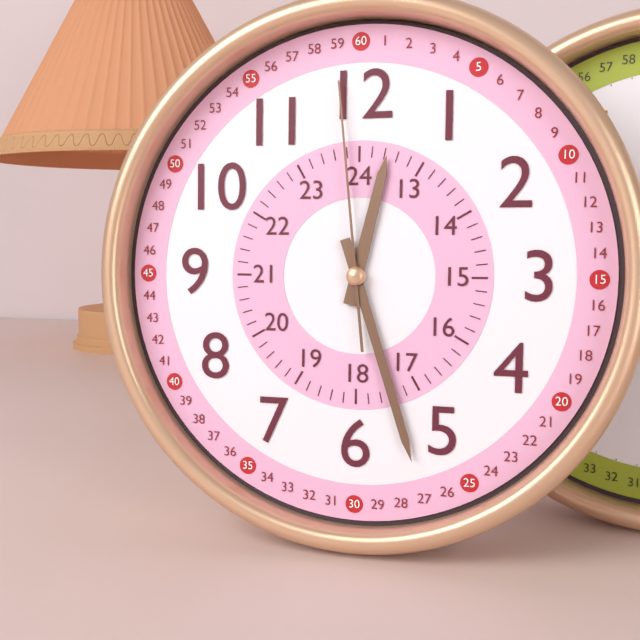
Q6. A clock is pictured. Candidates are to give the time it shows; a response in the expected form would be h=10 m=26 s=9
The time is h=12 m=27 s=59
